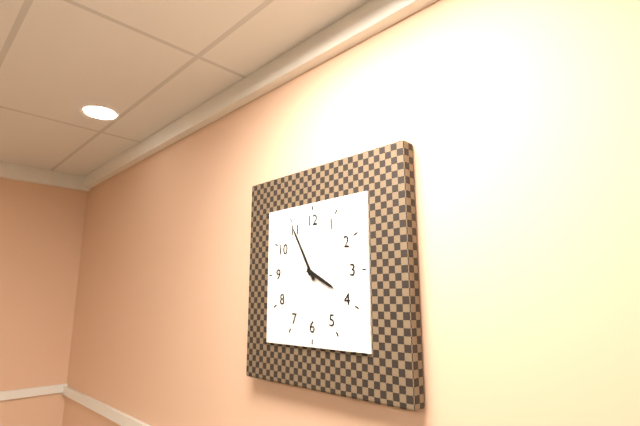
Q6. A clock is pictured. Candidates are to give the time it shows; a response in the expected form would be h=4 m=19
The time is h=3 m=55
